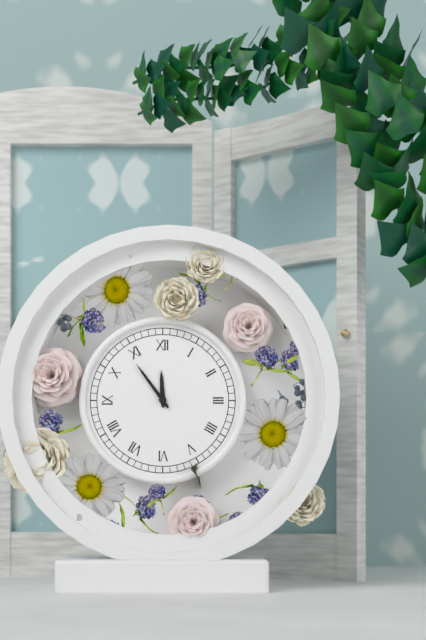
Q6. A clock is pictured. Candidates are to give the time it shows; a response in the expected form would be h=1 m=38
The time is h=11 m=54
